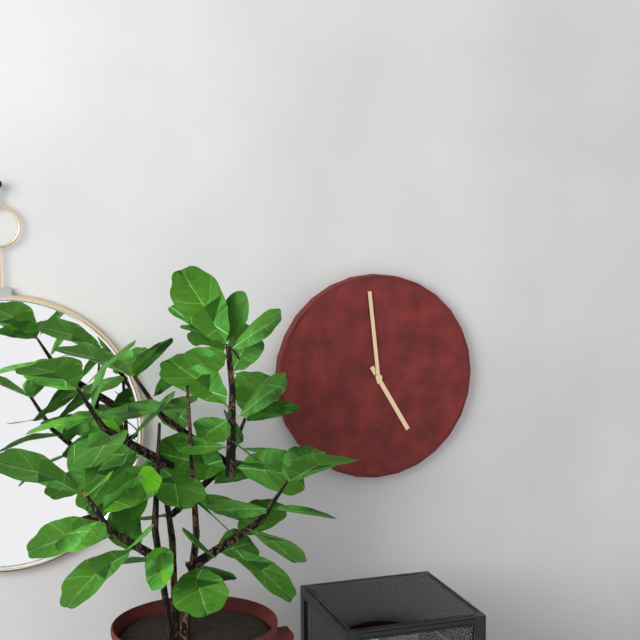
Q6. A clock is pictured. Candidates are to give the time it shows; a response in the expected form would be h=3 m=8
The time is h=4 m=59
